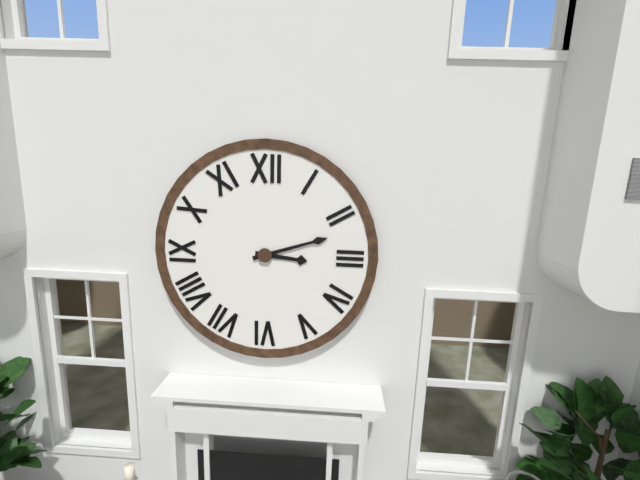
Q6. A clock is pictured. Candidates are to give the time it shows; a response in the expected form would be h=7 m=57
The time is h=3 m=12
